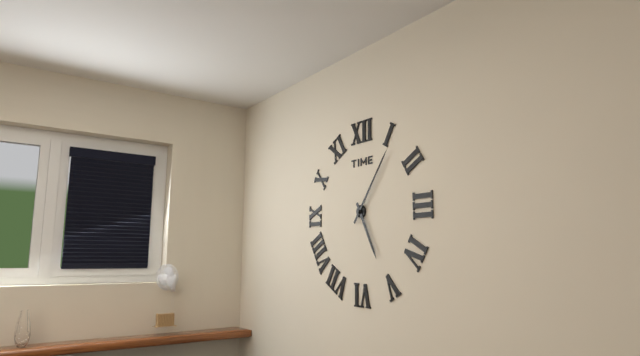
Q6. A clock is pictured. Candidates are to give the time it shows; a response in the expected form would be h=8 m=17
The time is h=5 m=6
